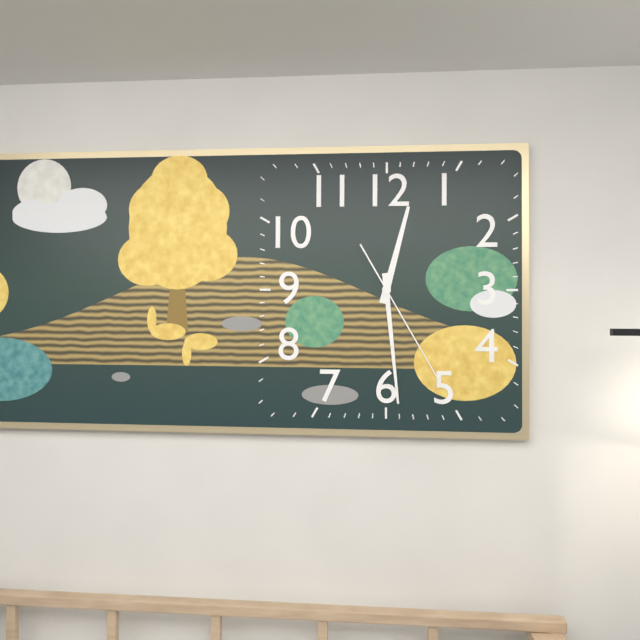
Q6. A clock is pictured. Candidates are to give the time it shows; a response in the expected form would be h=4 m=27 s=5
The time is h=12 m=29 s=25
